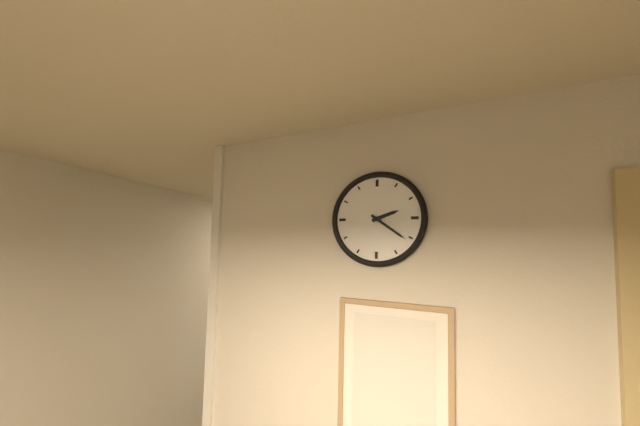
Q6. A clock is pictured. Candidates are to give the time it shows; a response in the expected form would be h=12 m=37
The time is h=2 m=21
